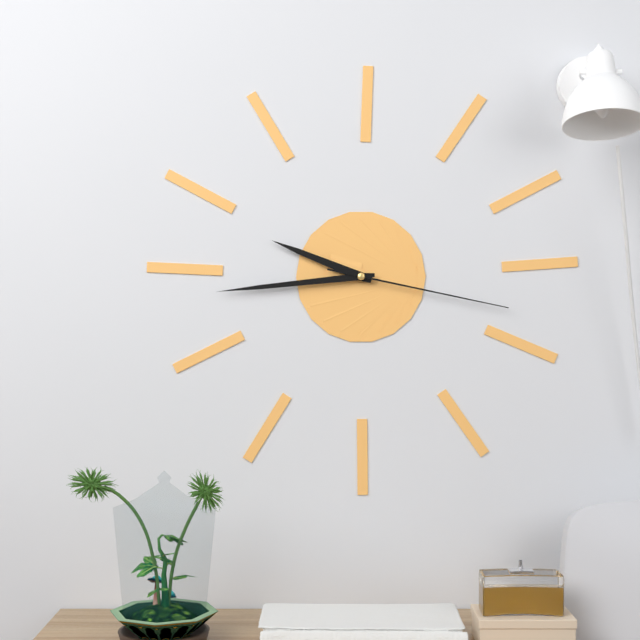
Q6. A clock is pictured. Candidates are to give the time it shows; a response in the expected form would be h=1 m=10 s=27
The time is h=9 m=44 s=17
